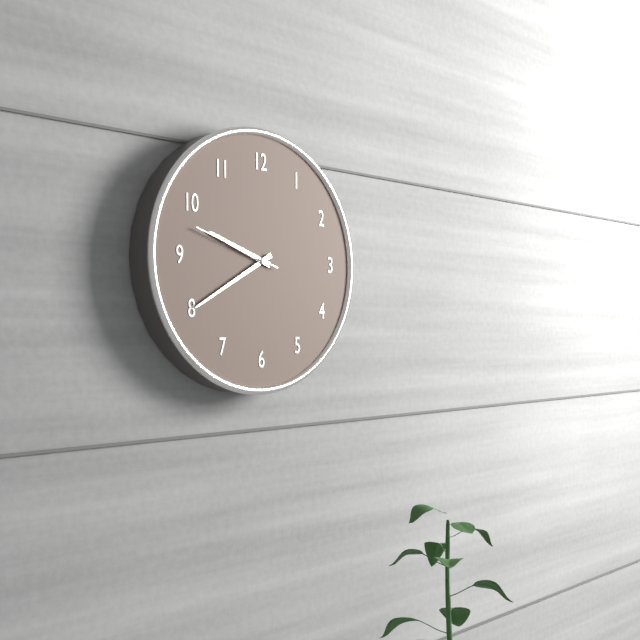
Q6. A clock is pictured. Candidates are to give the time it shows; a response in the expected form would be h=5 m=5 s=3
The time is h=9 m=40 s=48
